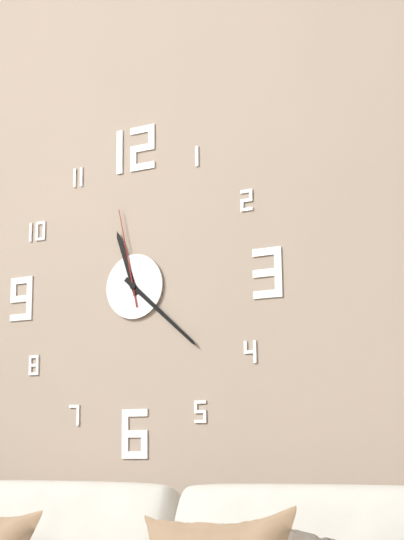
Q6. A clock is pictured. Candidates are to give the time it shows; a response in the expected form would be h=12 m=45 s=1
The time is h=11 m=22 s=58
